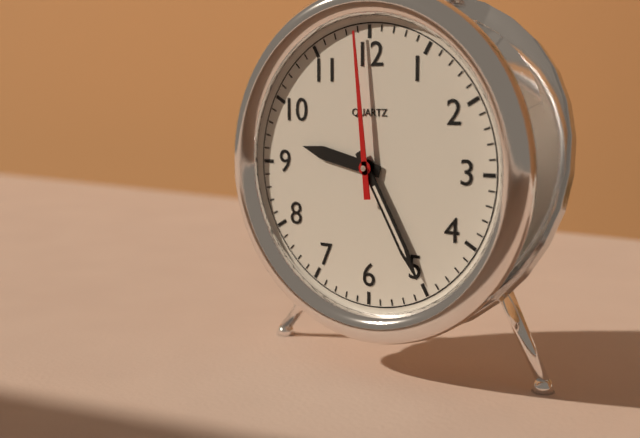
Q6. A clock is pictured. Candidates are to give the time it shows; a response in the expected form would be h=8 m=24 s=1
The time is h=9 m=25 s=59
